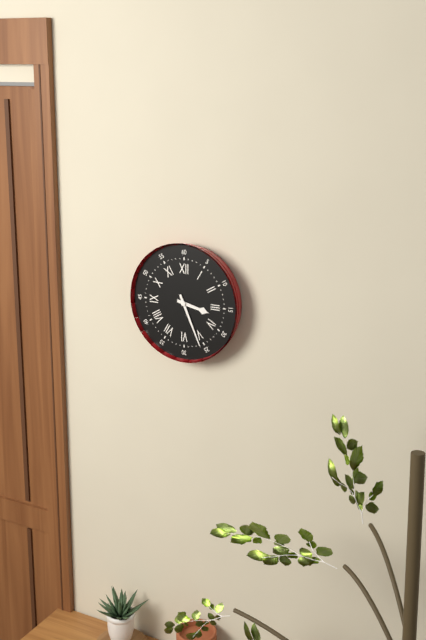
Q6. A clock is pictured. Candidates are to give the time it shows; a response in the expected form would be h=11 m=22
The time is h=3 m=26
